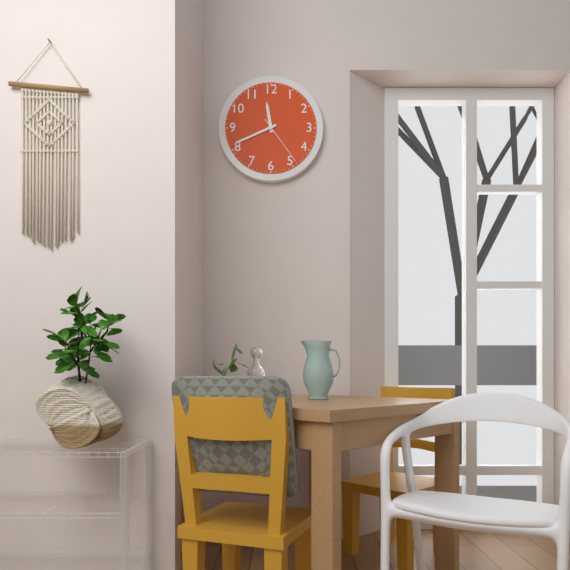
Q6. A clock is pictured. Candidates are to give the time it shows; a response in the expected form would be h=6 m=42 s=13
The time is h=11 m=41 s=24
